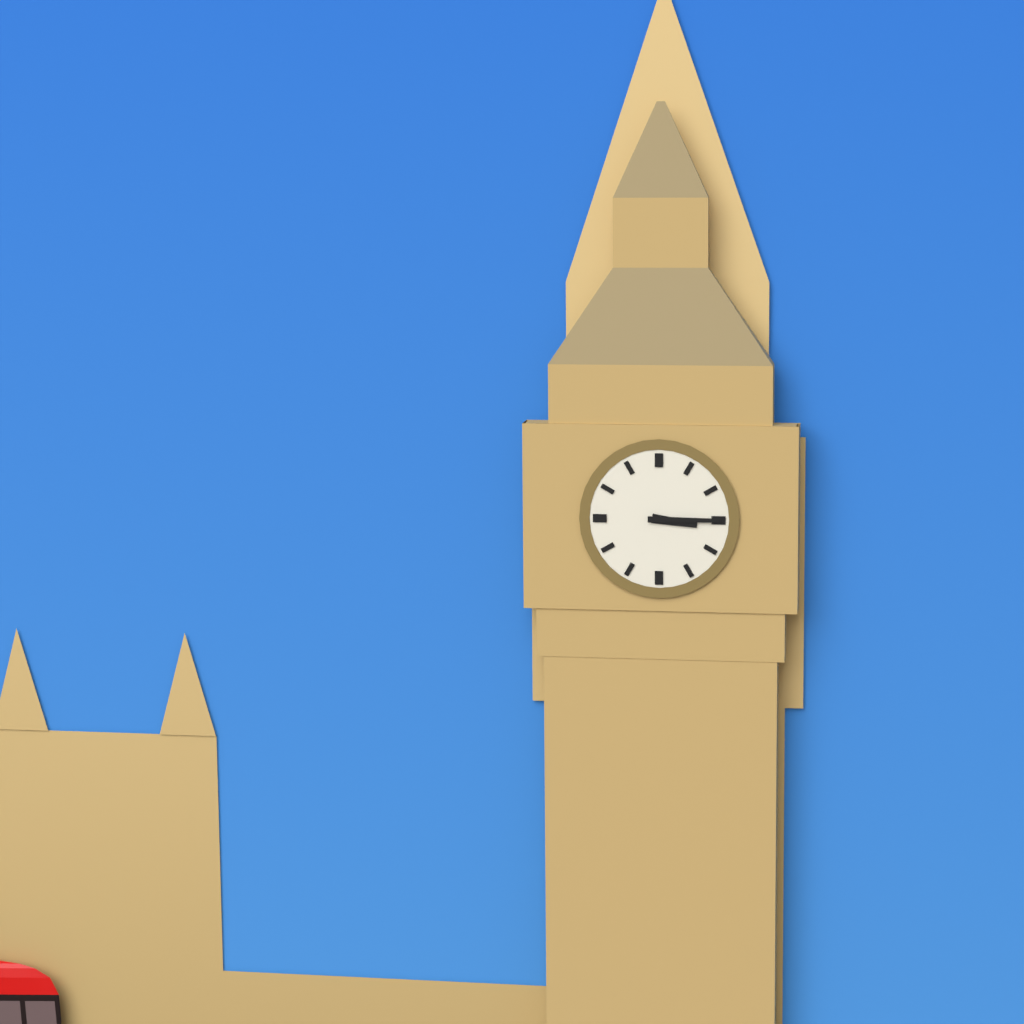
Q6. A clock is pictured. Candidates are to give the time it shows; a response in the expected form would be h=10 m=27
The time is h=3 m=15
